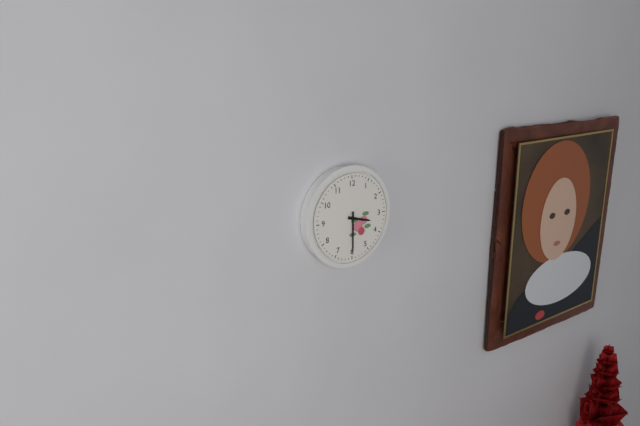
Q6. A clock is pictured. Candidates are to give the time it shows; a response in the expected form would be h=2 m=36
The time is h=3 m=30
